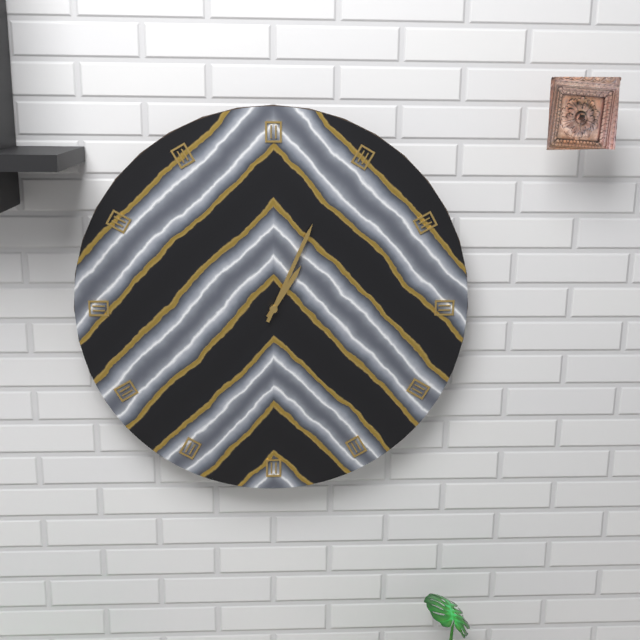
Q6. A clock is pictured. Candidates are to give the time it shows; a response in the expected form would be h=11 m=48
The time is h=1 m=4
